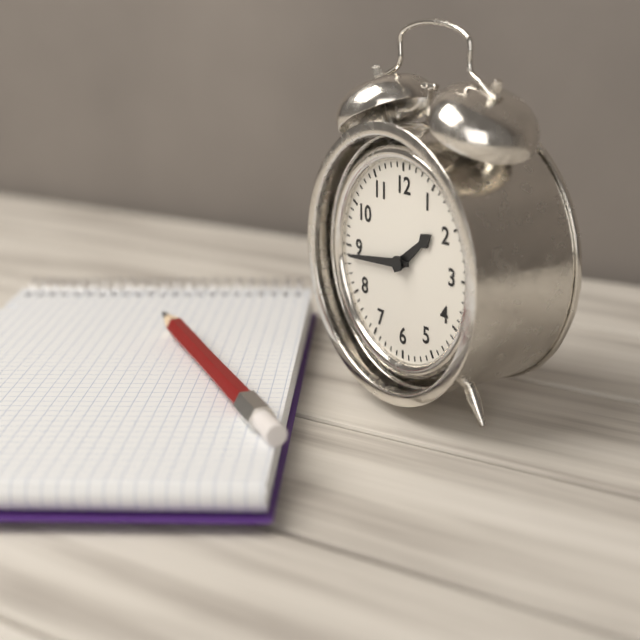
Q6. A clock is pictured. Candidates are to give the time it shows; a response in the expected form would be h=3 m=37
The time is h=1 m=44
